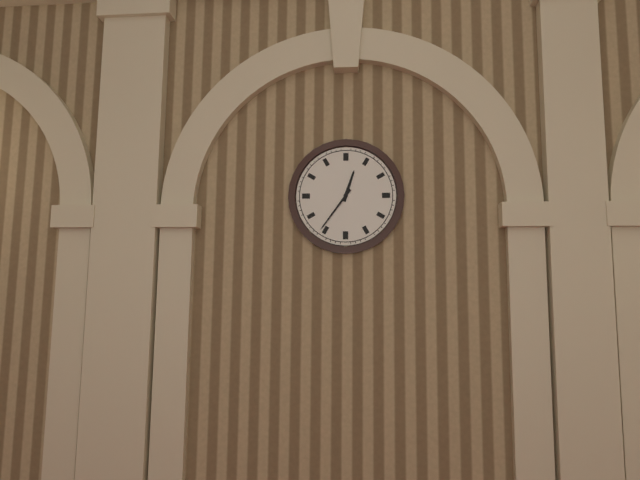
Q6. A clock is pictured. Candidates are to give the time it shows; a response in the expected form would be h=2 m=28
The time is h=12 m=36
